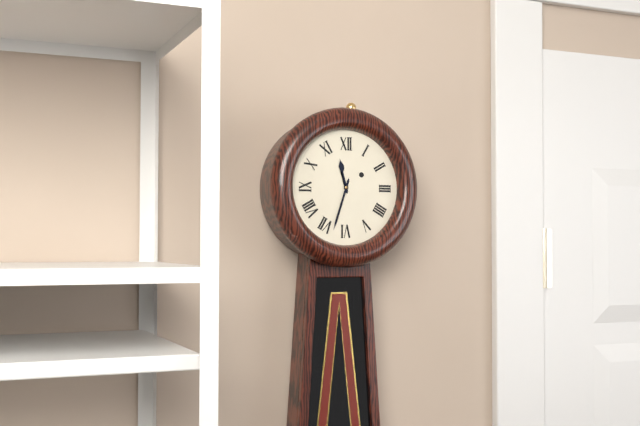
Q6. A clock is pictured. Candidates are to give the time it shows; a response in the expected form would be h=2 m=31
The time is h=11 m=33
